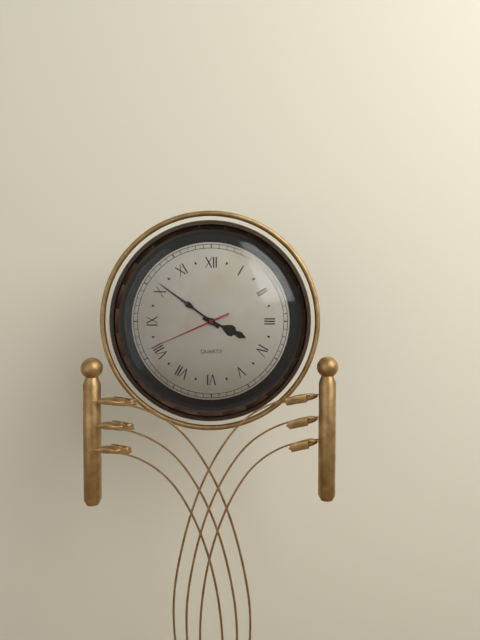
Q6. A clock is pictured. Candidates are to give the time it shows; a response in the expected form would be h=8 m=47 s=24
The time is h=3 m=51 s=41
